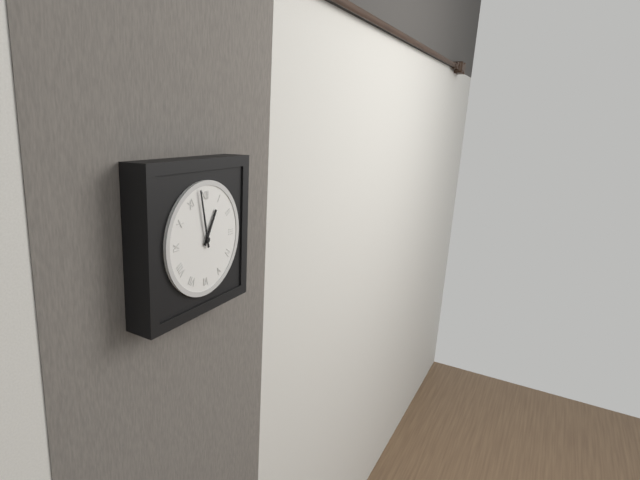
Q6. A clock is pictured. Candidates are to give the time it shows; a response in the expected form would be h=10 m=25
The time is h=12 m=58
